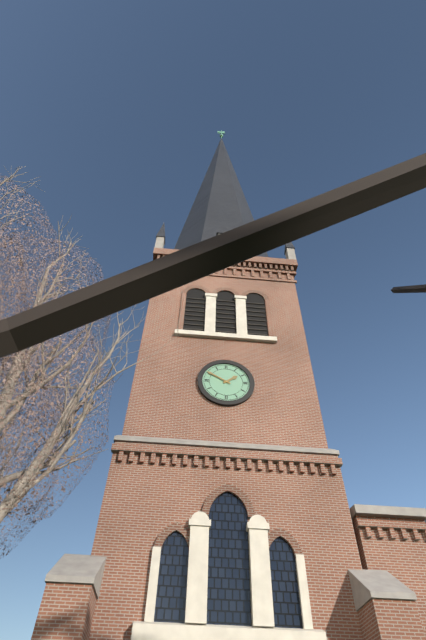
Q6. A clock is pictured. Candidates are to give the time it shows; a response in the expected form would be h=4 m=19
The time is h=1 m=50
